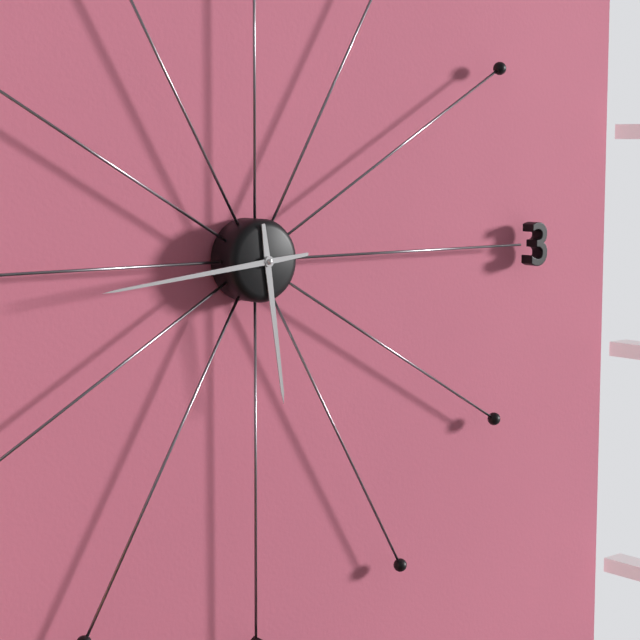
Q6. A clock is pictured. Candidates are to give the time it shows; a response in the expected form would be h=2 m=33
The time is h=5 m=44
